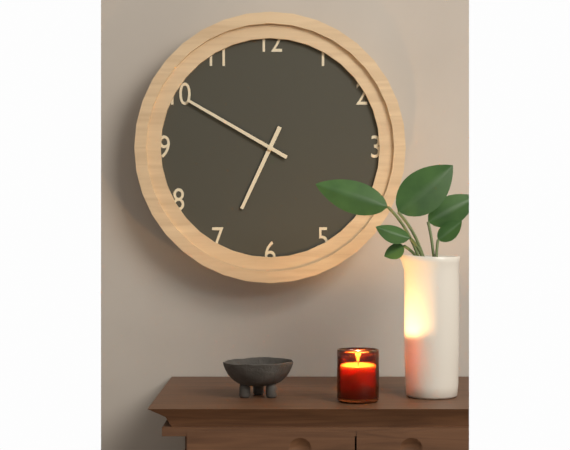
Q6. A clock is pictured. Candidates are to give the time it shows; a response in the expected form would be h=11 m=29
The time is h=6 m=50
